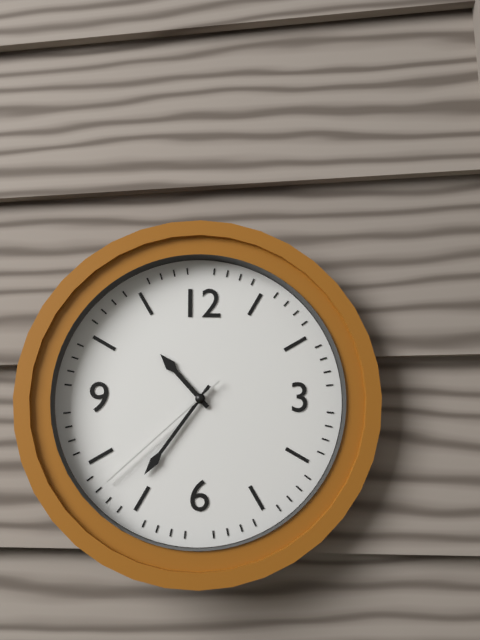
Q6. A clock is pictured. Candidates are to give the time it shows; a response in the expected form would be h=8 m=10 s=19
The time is h=10 m=36 s=38
